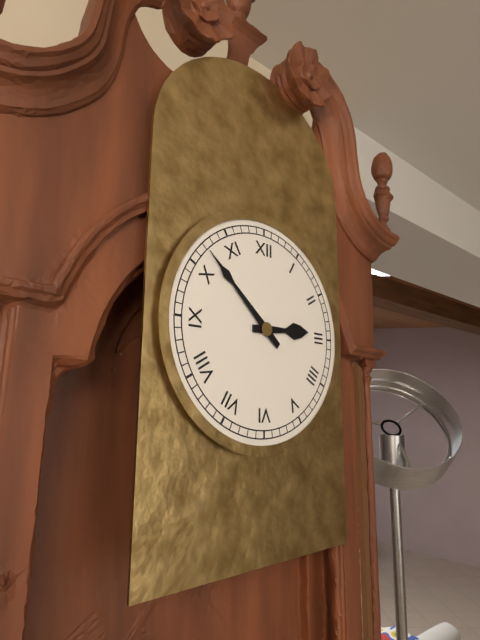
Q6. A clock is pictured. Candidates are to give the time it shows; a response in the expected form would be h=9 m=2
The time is h=2 m=52
